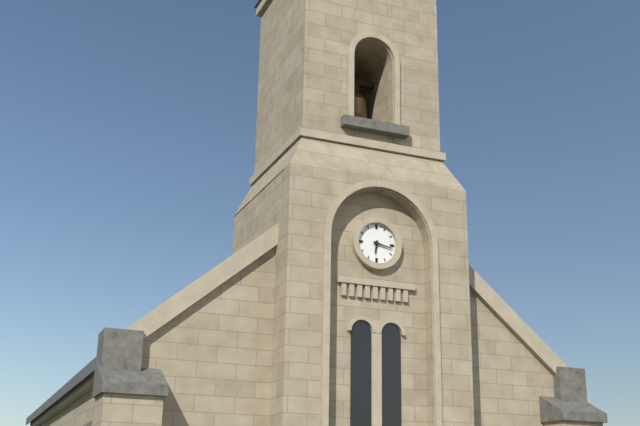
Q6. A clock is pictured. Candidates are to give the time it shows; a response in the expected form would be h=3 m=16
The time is h=6 m=17
